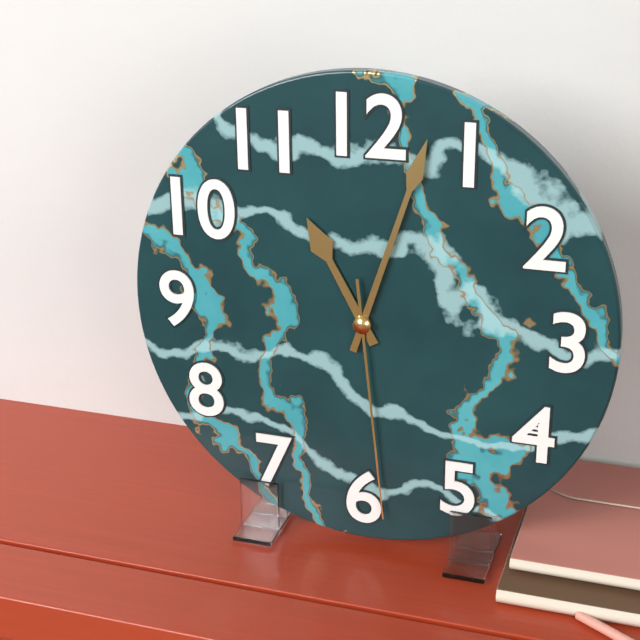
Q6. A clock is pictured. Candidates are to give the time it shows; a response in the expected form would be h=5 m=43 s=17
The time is h=11 m=3 s=29
